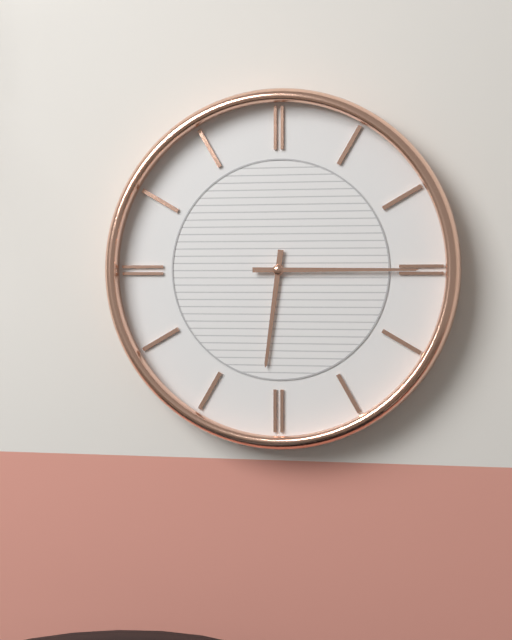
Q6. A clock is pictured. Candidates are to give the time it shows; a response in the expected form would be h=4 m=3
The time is h=6 m=15
